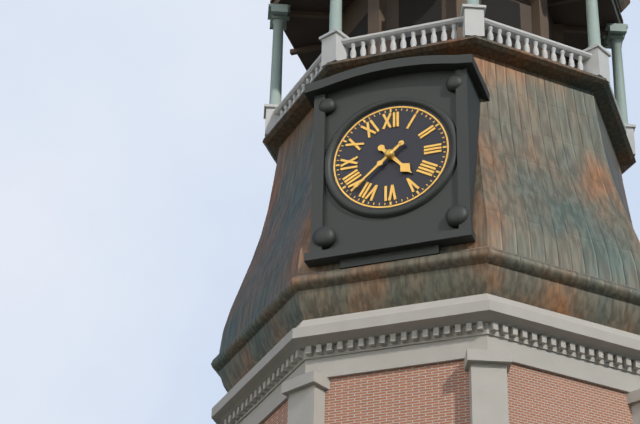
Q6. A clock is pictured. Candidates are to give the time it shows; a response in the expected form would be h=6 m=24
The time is h=4 m=38
